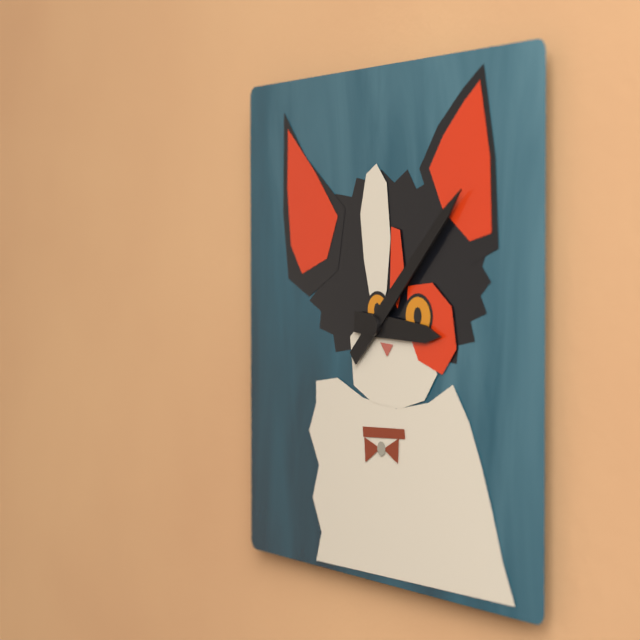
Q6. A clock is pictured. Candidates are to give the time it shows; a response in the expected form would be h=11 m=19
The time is h=3 m=8
